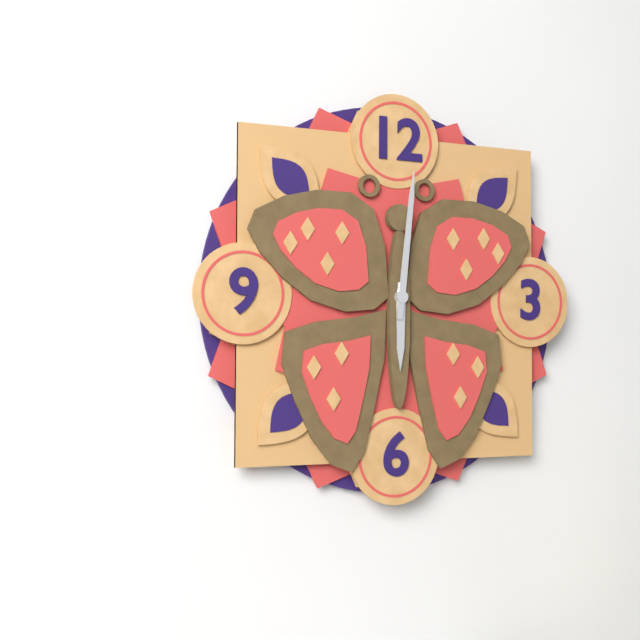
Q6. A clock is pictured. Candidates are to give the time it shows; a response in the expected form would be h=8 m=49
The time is h=6 m=1
